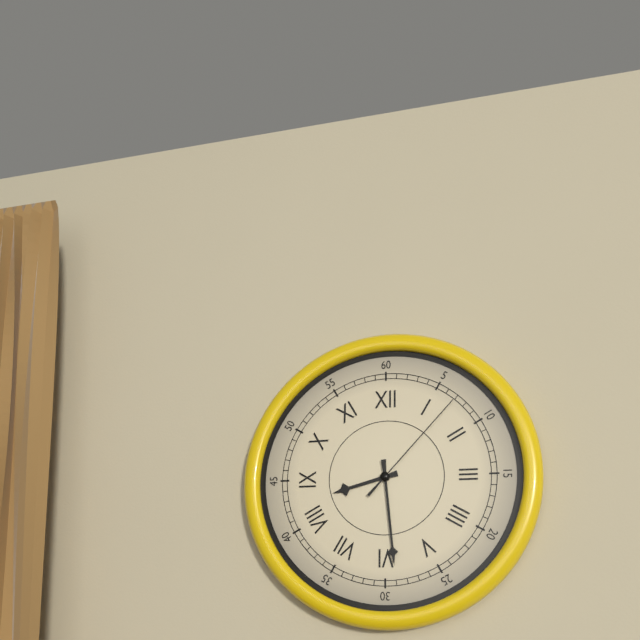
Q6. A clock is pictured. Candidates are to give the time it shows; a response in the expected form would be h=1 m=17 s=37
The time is h=8 m=29 s=7
